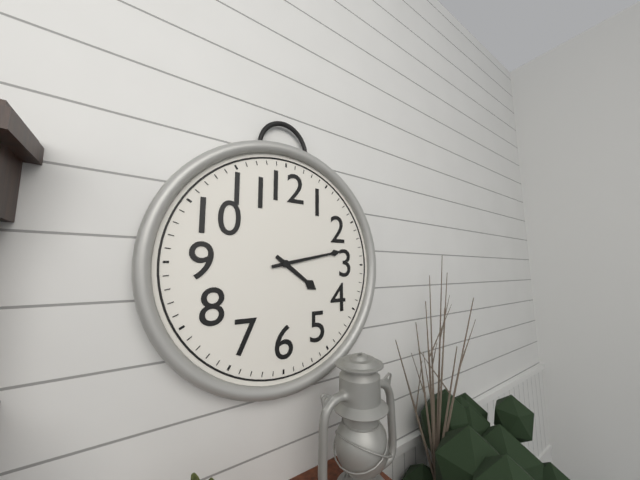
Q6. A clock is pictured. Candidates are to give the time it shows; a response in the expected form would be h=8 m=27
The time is h=4 m=13
